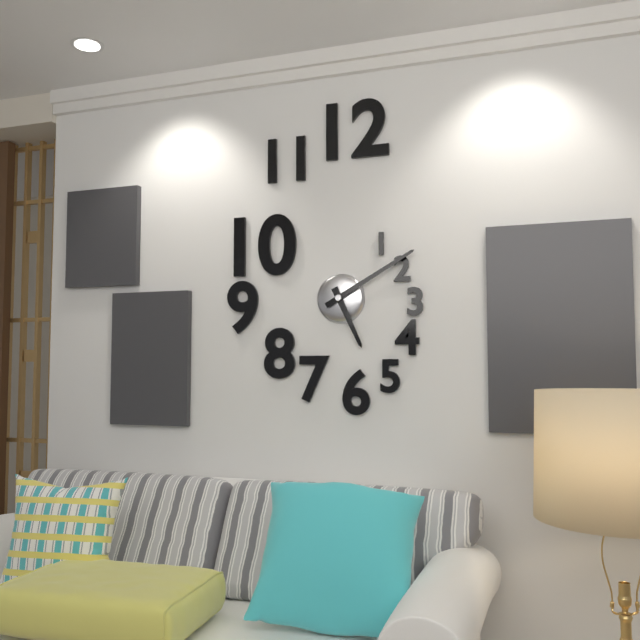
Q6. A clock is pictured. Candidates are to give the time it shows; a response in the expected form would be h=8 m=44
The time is h=5 m=10
